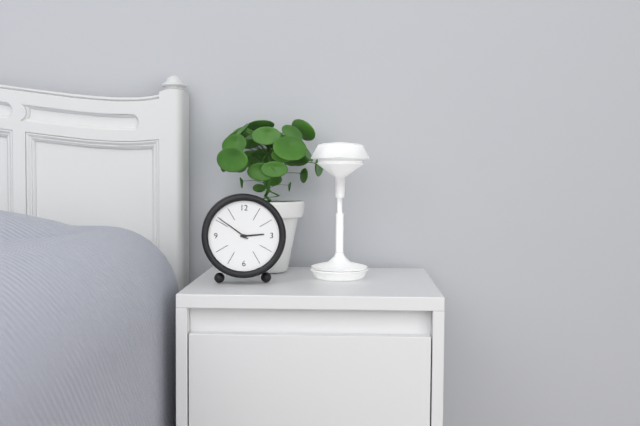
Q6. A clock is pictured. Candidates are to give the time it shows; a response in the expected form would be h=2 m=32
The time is h=2 m=51
